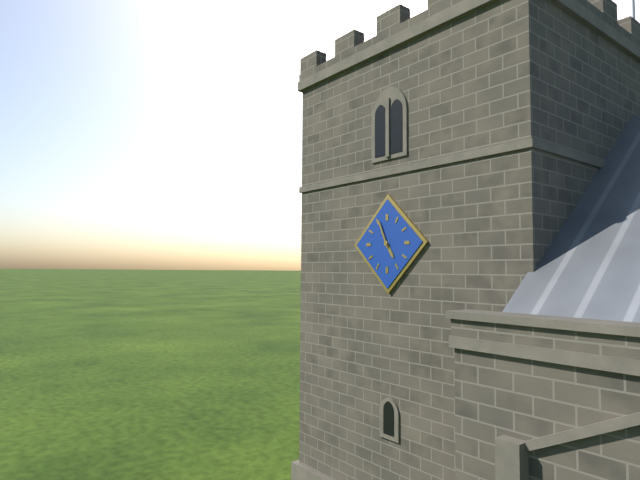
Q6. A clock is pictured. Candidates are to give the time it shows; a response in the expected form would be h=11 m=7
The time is h=4 m=56
